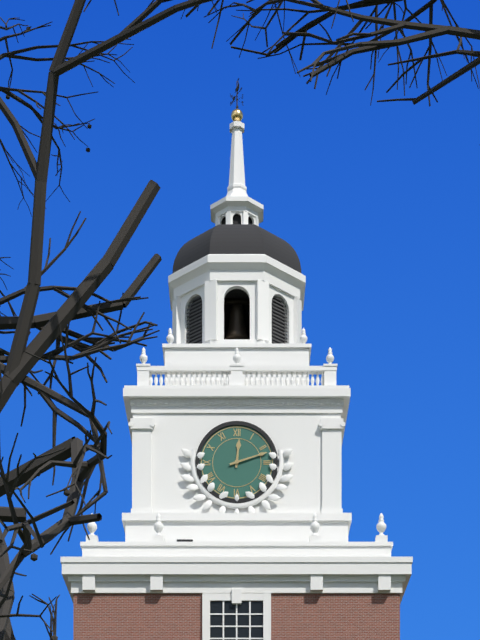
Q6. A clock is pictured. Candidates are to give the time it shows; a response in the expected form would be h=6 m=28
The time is h=12 m=12
